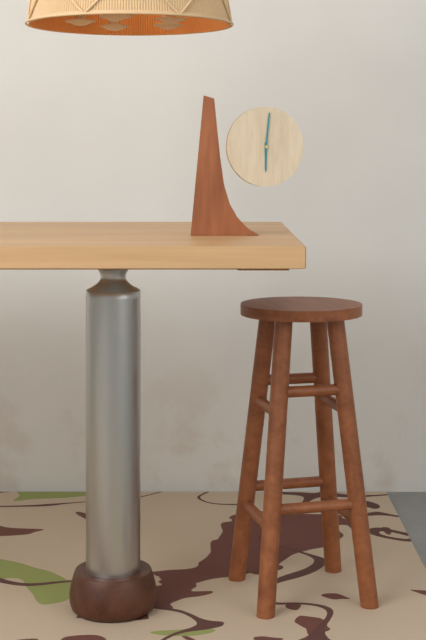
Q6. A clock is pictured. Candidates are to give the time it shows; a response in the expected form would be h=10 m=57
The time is h=6 m=1
